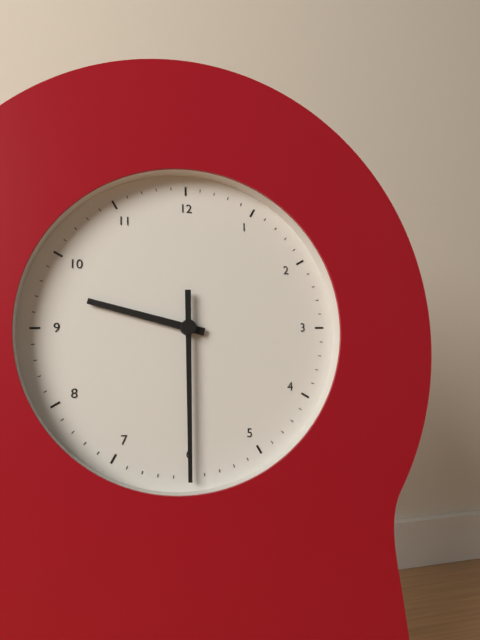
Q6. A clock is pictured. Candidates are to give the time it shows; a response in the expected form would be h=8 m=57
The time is h=9 m=30
